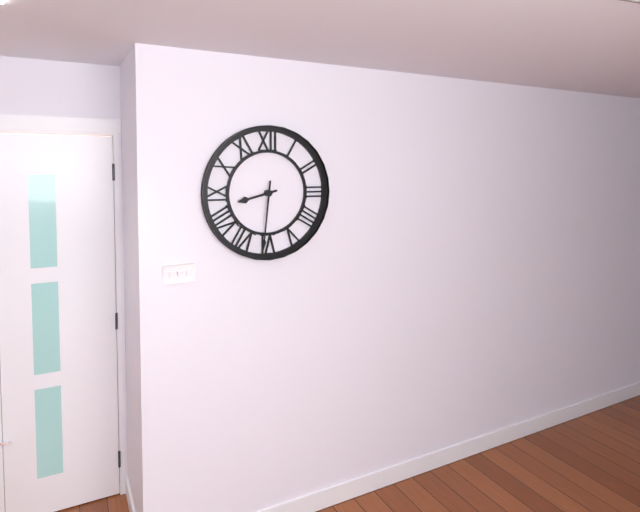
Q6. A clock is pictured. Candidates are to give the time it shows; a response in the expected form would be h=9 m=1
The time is h=8 m=31
